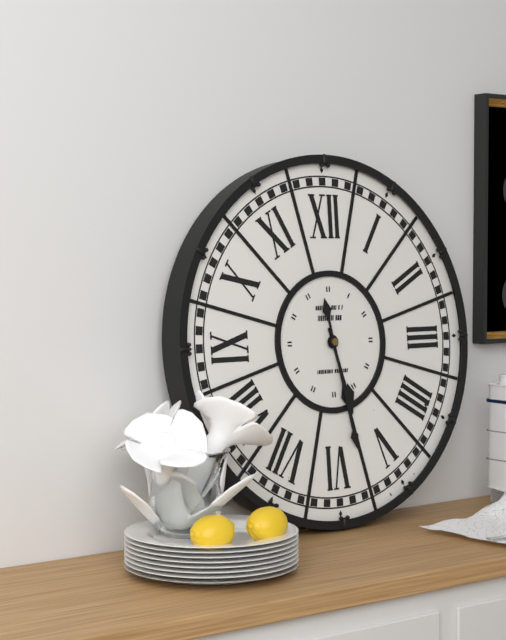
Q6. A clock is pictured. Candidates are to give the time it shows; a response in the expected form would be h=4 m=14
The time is h=5 m=28
